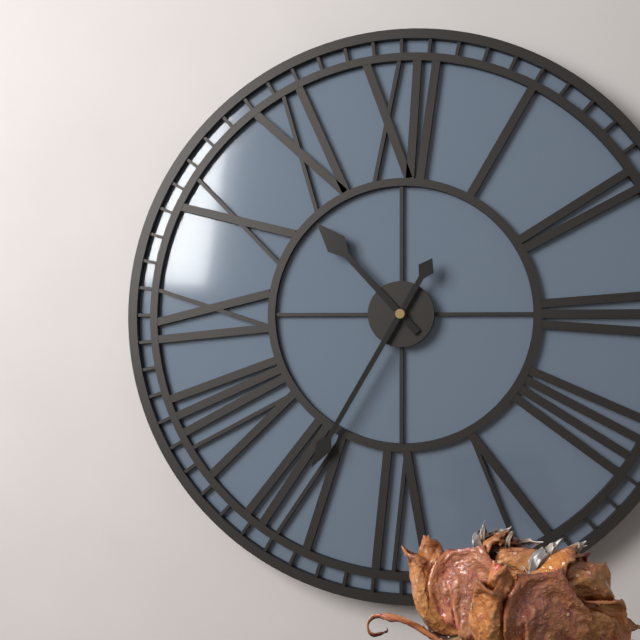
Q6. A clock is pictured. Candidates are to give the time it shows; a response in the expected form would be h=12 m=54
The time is h=10 m=35
